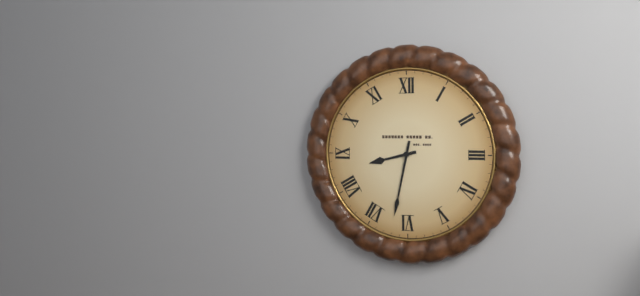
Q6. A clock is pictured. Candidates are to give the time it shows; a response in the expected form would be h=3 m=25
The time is h=8 m=32
